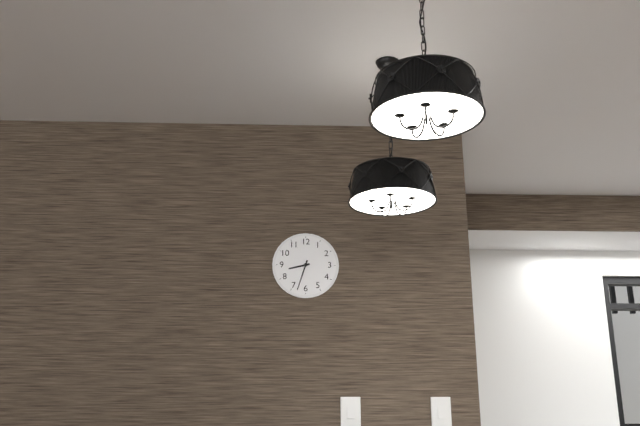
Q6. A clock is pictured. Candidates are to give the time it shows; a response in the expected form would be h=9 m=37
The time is h=8 m=33
